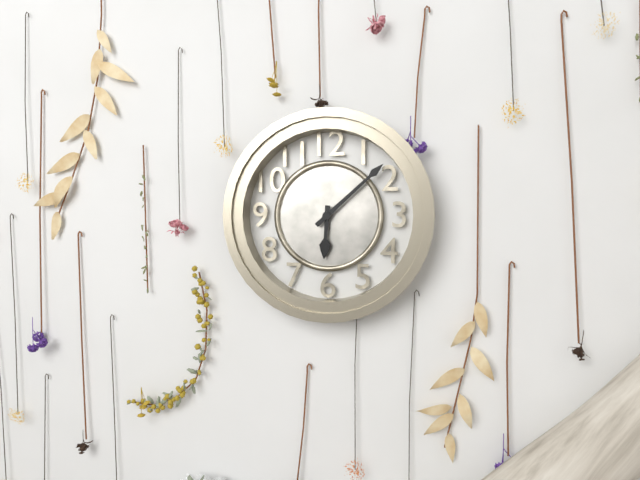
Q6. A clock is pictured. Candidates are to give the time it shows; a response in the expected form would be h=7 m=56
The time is h=6 m=8
